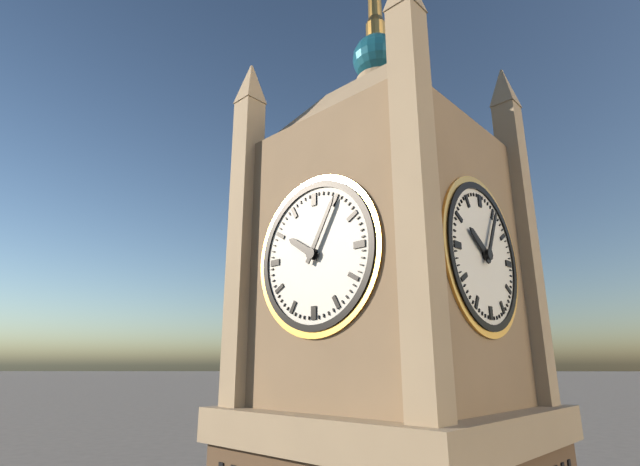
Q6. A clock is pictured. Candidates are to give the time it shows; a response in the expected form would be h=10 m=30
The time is h=10 m=5
